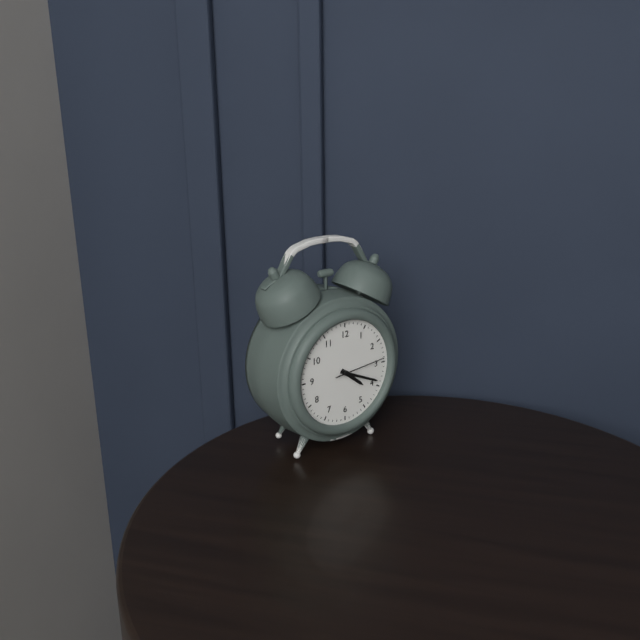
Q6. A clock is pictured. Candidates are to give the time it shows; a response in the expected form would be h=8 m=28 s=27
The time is h=4 m=19 s=14
